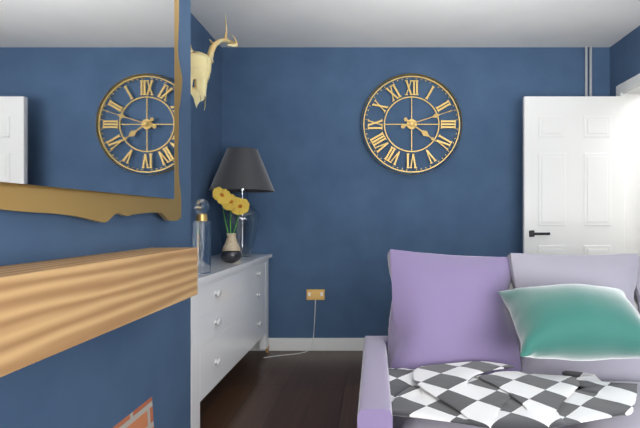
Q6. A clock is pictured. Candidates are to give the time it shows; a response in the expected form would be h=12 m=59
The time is h=4 m=12
